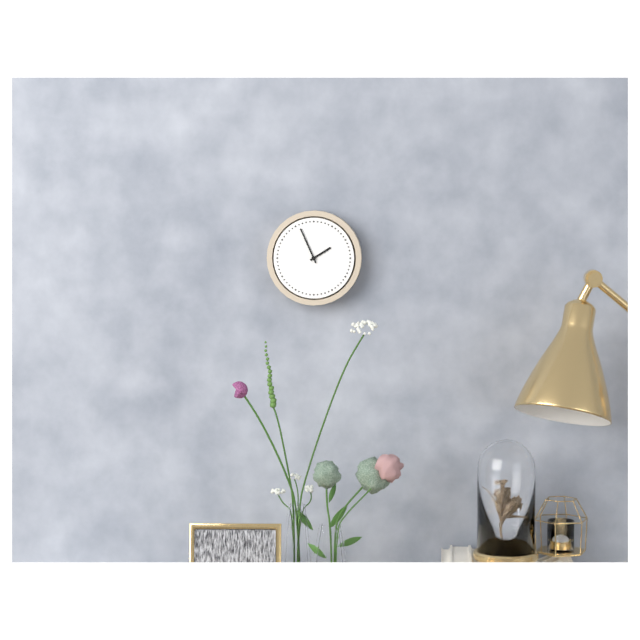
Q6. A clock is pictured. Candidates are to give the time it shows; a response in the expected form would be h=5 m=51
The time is h=1 m=56
